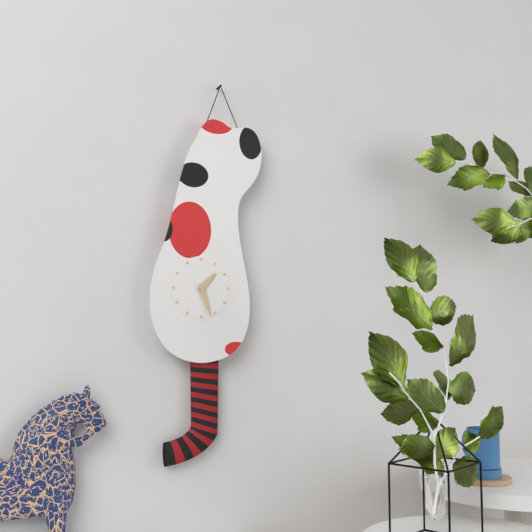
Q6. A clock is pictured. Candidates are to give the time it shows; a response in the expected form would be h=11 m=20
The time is h=1 m=27
